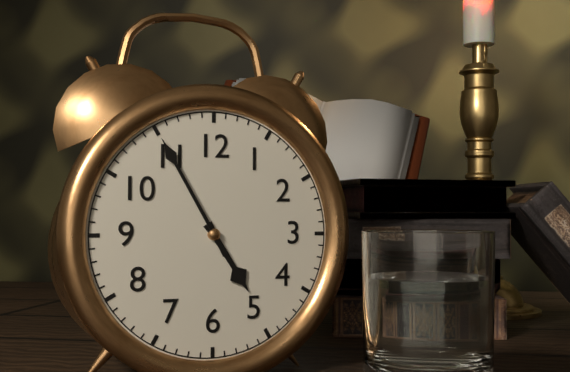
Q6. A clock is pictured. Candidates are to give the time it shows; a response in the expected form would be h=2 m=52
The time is h=4 m=55
